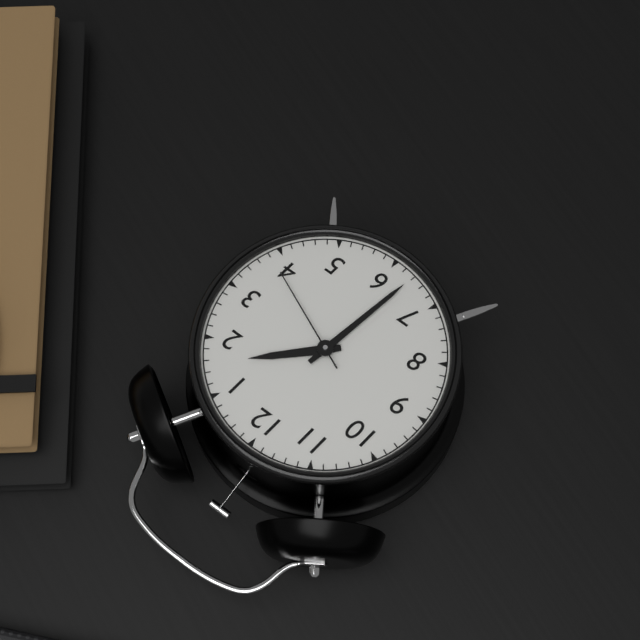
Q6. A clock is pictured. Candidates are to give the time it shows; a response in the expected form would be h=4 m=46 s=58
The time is h=1 m=32 s=19
